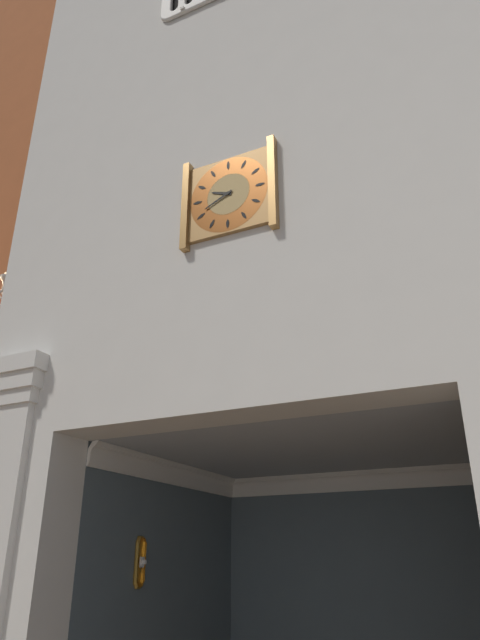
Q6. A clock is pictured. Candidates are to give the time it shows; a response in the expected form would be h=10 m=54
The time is h=9 m=41
